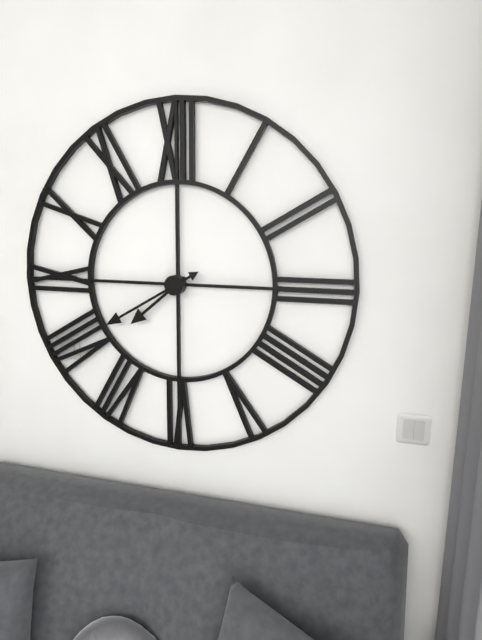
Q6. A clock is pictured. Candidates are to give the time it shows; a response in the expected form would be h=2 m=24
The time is h=7 m=40
